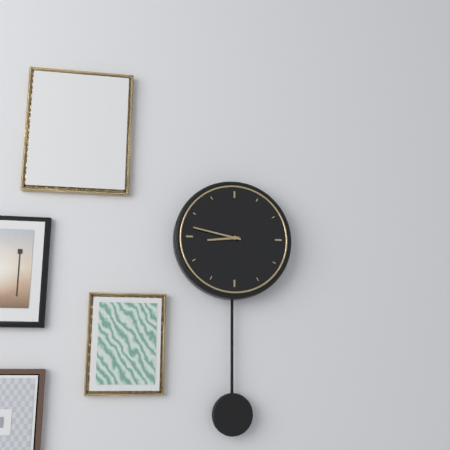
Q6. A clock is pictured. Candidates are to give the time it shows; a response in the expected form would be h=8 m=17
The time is h=8 m=47
